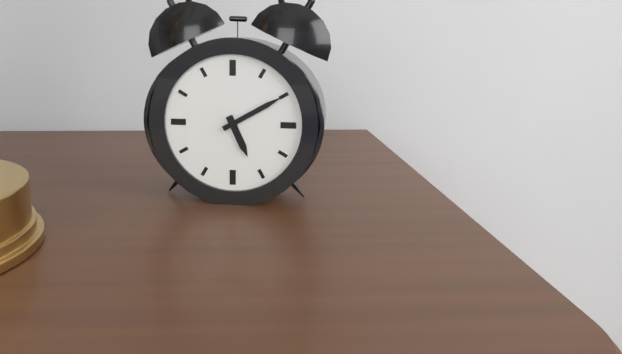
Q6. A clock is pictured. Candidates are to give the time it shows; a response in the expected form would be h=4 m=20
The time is h=5 m=10
